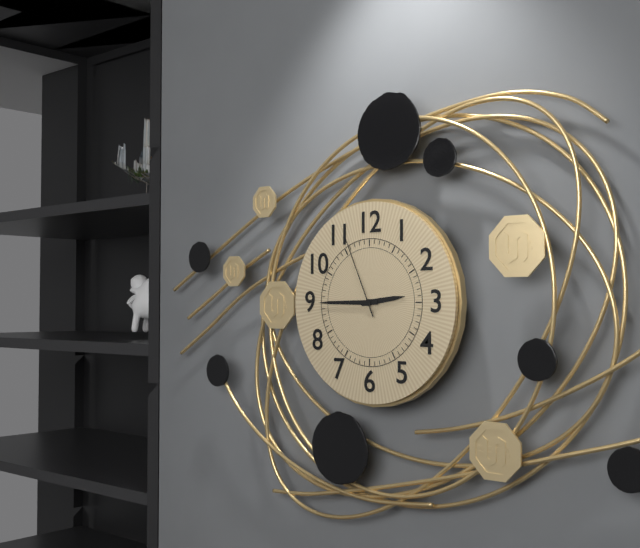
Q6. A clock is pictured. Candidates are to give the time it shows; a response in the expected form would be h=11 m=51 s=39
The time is h=2 m=45 s=56
